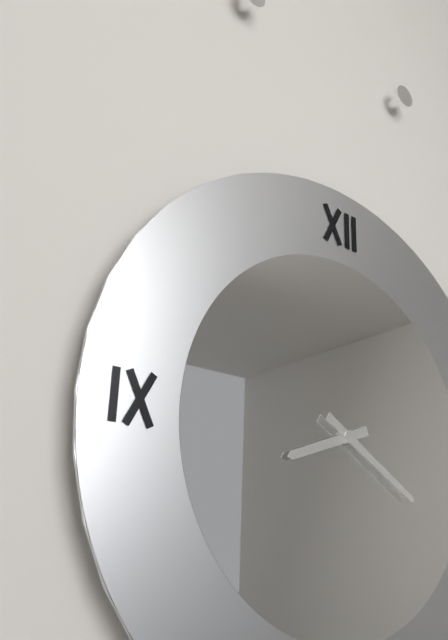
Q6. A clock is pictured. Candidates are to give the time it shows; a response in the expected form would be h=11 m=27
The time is h=8 m=20
